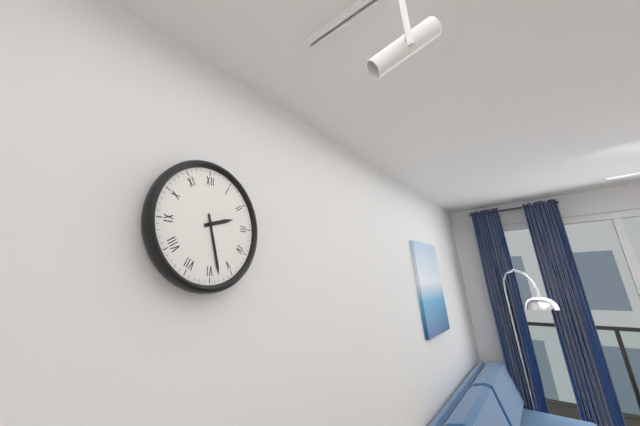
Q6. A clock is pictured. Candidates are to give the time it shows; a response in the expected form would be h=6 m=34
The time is h=2 m=28
